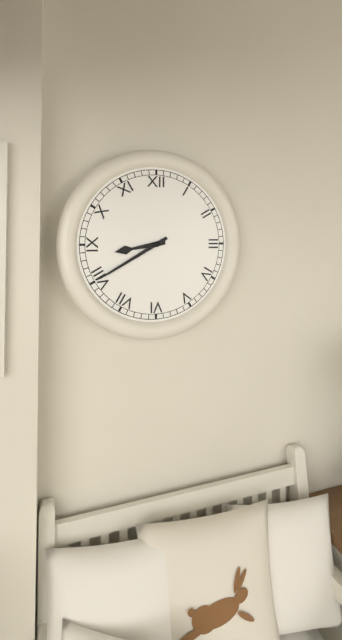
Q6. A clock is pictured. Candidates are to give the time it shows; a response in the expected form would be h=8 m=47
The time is h=8 m=40
